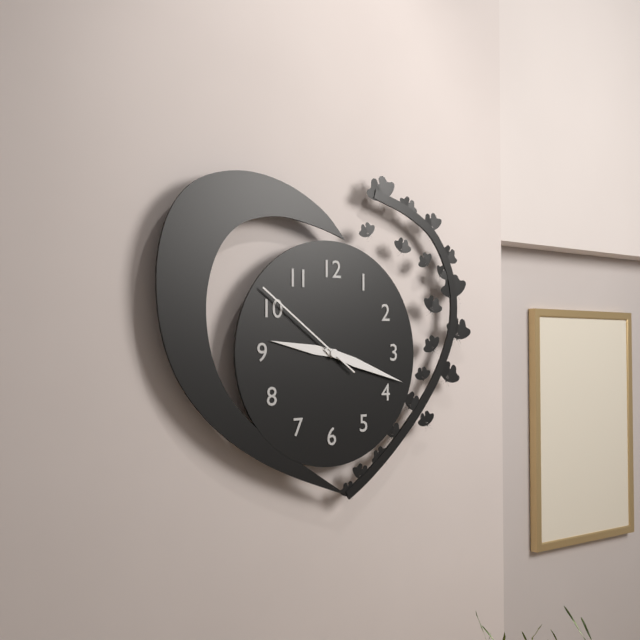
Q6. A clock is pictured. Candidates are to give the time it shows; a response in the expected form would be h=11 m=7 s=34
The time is h=9 m=18 s=51
